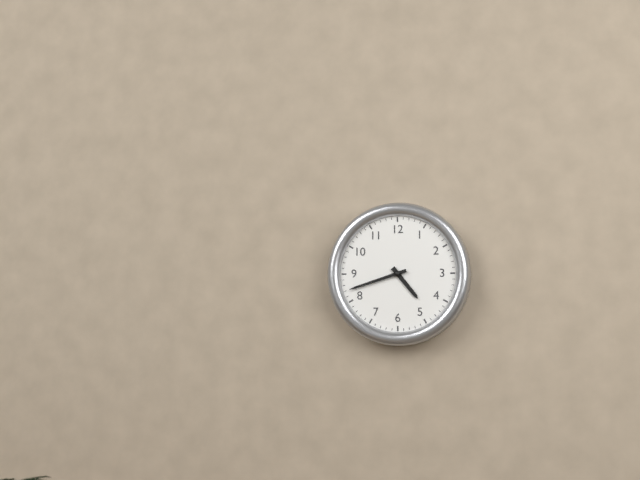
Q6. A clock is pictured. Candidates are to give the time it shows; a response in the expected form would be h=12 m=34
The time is h=4 m=42
